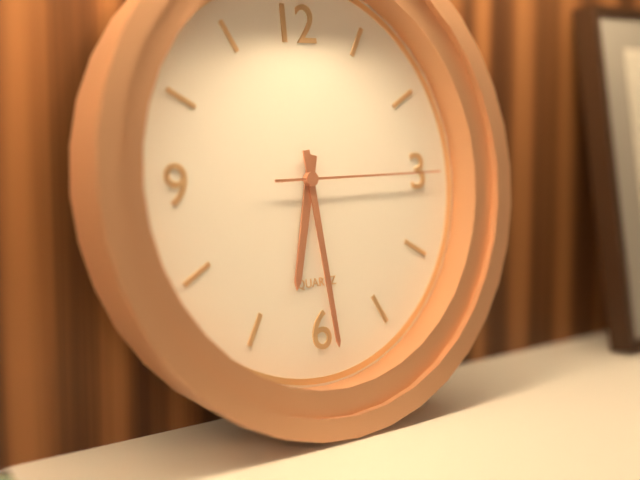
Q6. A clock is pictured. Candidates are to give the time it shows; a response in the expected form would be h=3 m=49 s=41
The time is h=6 m=29 s=15
